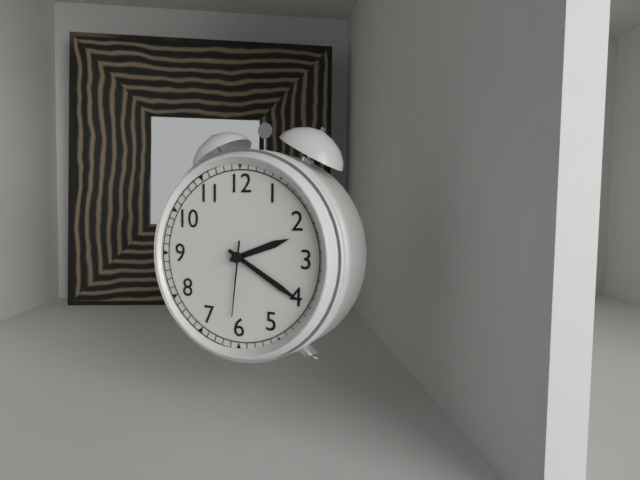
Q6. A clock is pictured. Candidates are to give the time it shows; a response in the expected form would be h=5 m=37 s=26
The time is h=2 m=20 s=31
